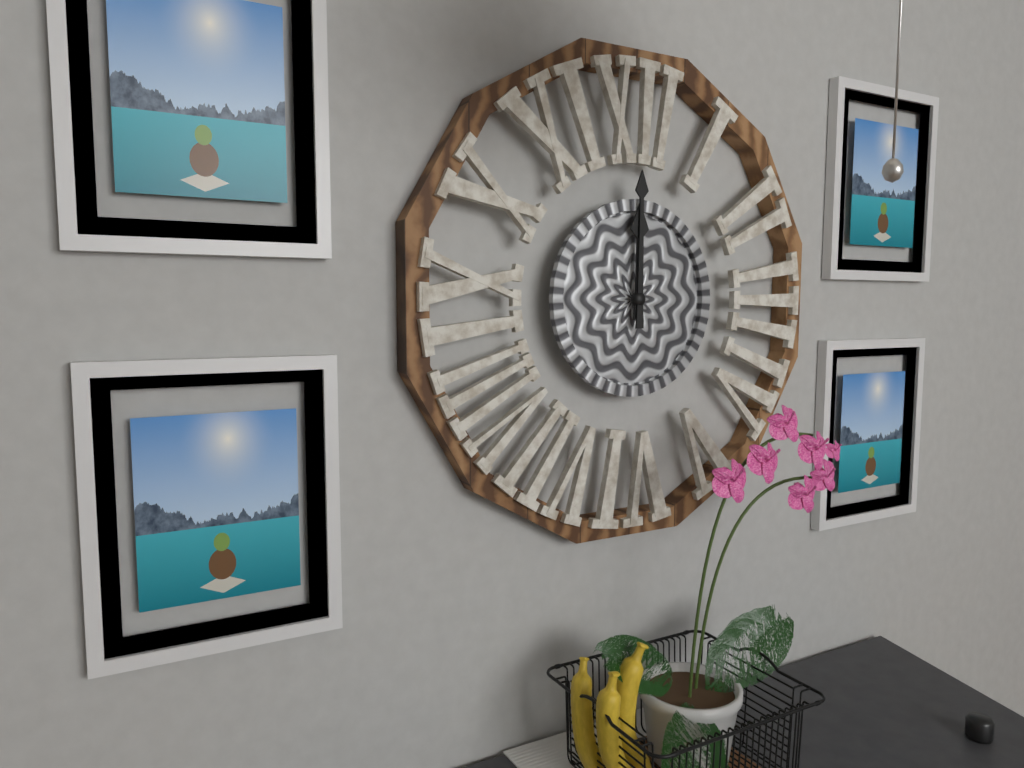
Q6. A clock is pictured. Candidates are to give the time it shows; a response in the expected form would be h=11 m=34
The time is h=12 m=0
